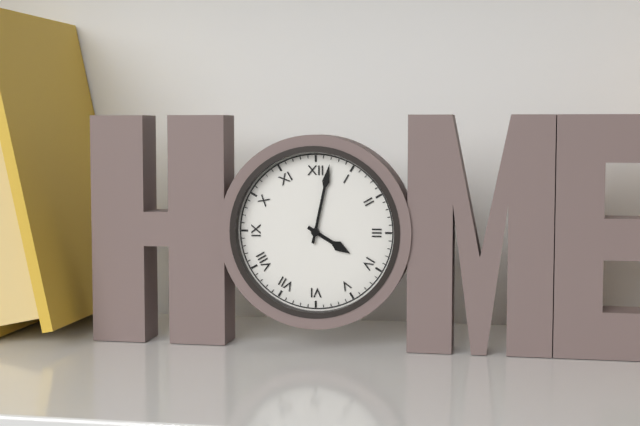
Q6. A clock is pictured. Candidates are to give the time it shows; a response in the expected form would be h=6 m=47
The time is h=4 m=2
